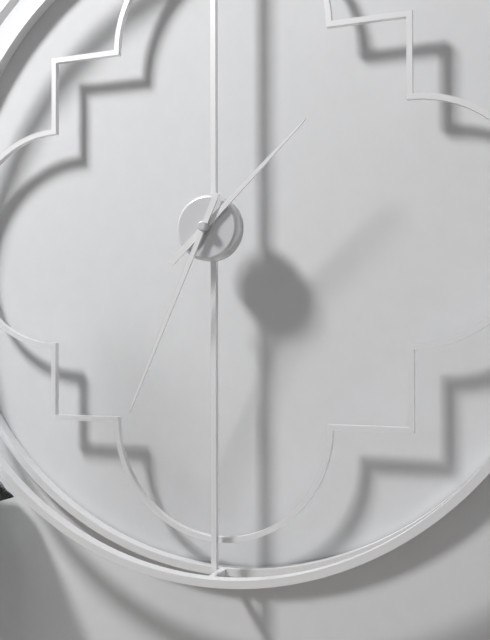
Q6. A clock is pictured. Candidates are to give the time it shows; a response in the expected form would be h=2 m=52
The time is h=1 m=34
